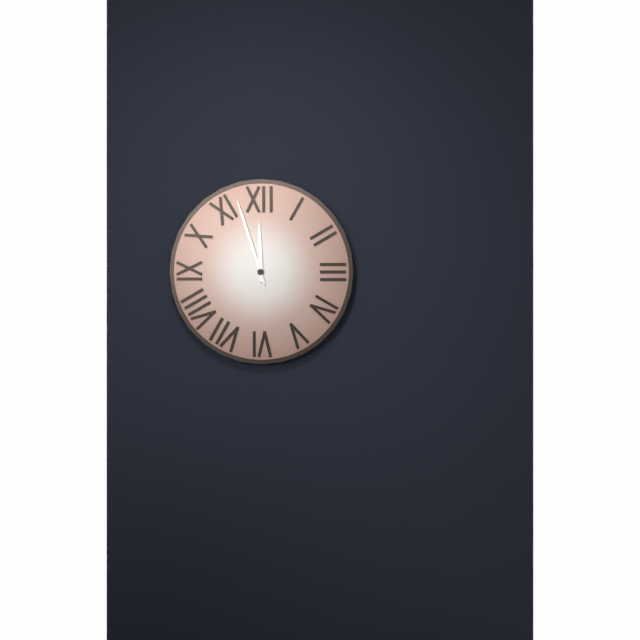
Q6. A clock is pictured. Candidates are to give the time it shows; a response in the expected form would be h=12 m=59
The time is h=11 m=57
